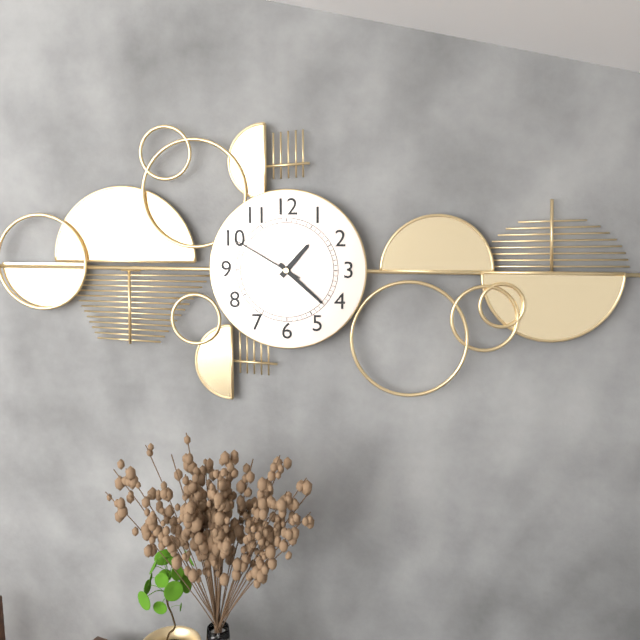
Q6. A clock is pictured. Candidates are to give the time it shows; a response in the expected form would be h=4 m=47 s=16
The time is h=1 m=22 s=50
